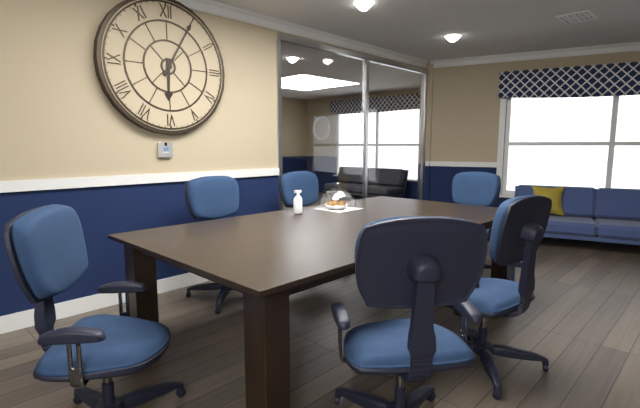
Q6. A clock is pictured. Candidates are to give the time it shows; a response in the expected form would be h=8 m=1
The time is h=6 m=5
